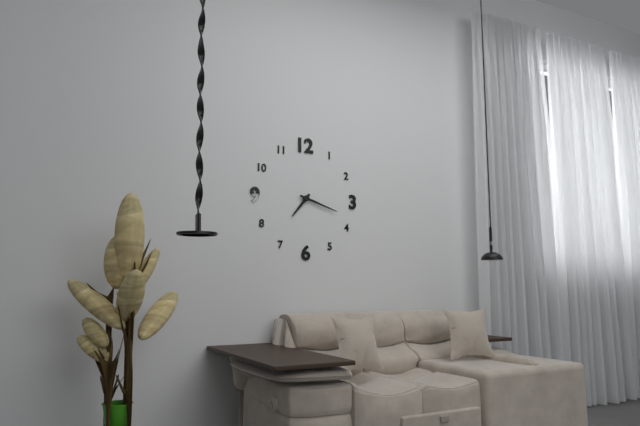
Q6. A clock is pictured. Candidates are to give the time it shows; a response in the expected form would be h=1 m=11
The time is h=7 m=18
